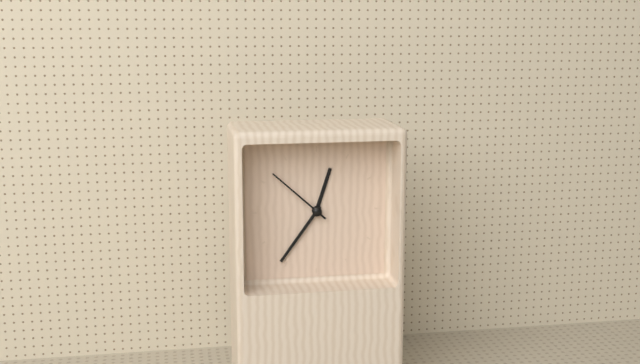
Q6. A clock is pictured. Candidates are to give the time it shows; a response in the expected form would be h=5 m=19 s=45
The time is h=12 m=36 s=52
